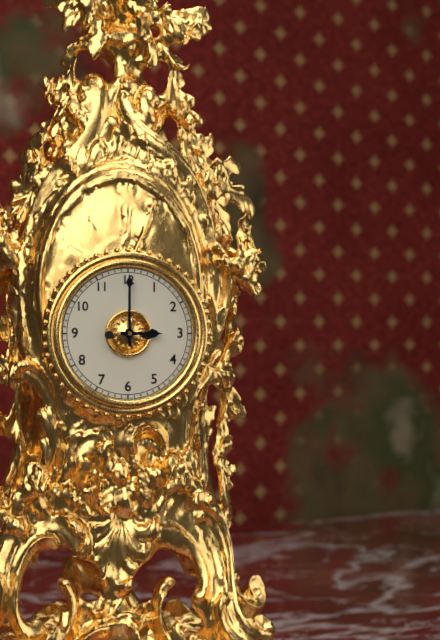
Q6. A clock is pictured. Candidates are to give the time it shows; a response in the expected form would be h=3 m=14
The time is h=3 m=0
